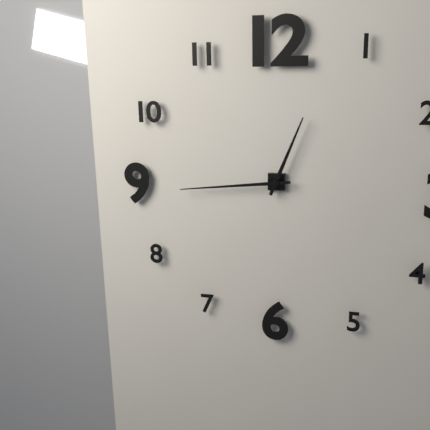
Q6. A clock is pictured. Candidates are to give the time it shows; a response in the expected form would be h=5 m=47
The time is h=12 m=44
